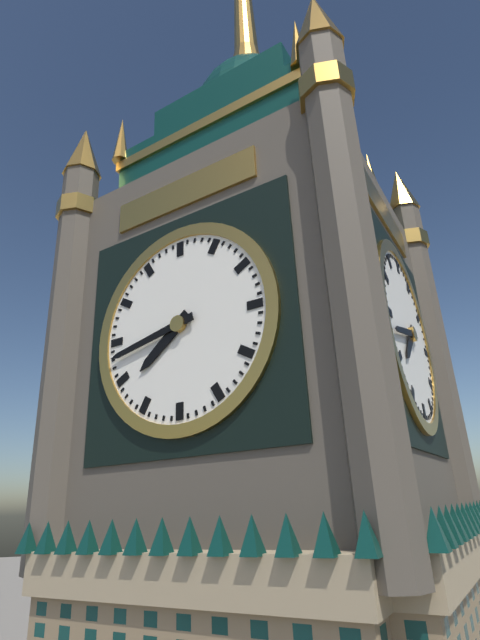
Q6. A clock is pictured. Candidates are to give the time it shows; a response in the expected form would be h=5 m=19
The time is h=7 m=43
